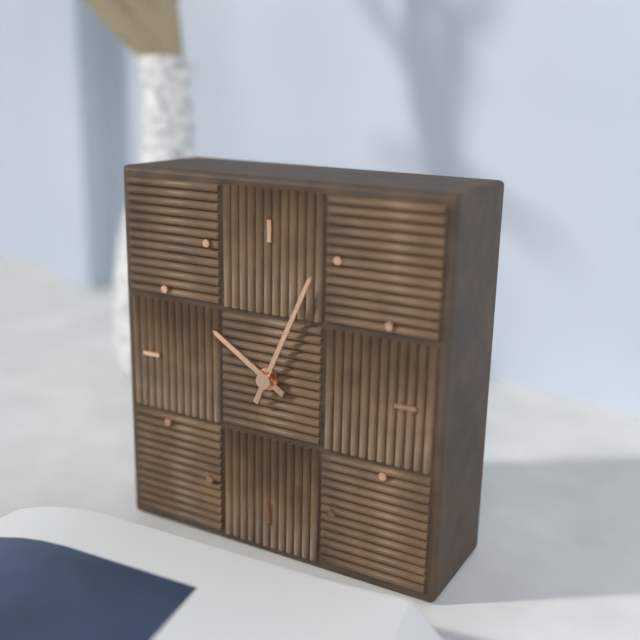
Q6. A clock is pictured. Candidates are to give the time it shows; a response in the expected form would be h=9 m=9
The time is h=10 m=4
